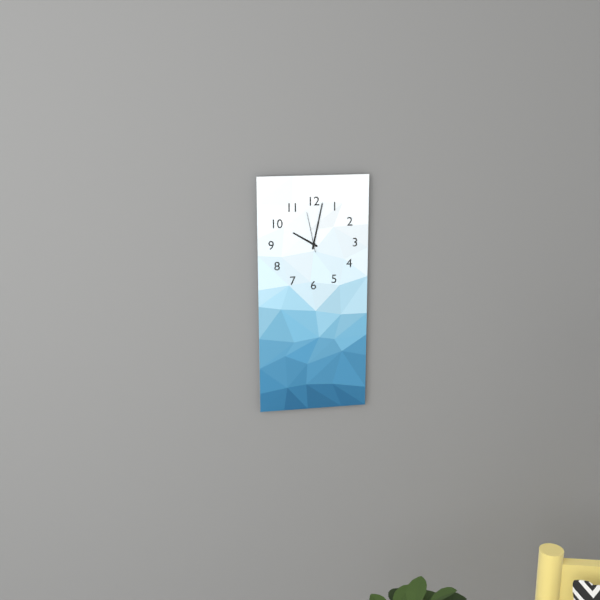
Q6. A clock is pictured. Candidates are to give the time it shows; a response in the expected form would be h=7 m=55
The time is h=10 m=2
